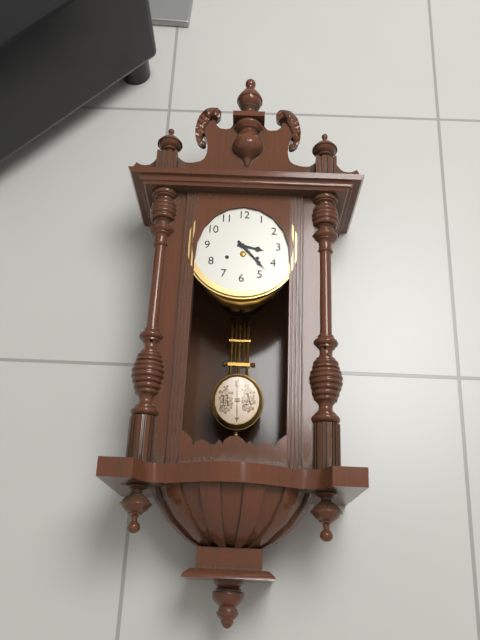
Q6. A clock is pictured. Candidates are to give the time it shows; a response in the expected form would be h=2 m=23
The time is h=3 m=23
